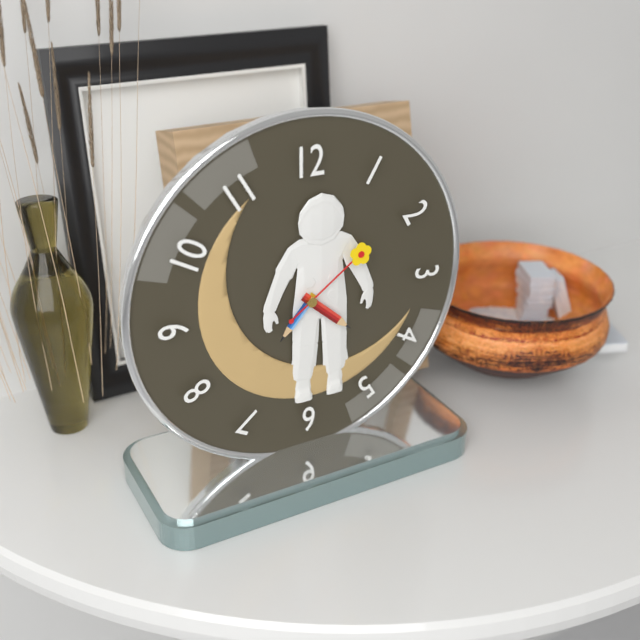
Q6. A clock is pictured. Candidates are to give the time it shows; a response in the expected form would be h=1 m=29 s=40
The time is h=7 m=22 s=9
